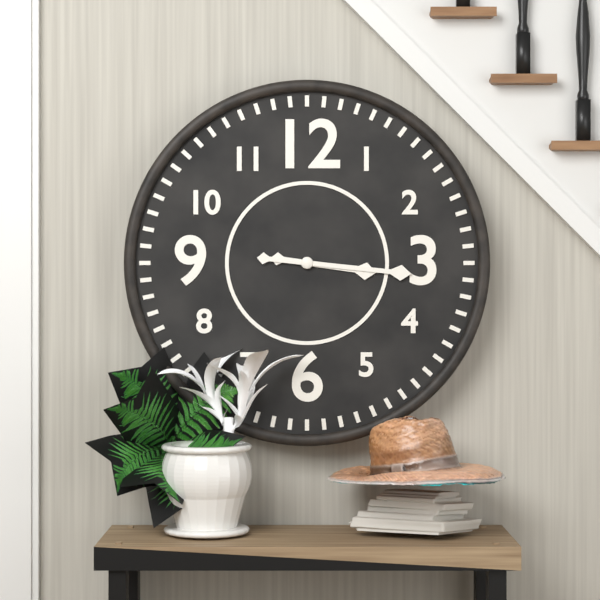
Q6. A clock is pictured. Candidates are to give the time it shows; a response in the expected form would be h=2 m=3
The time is h=3 m=16
